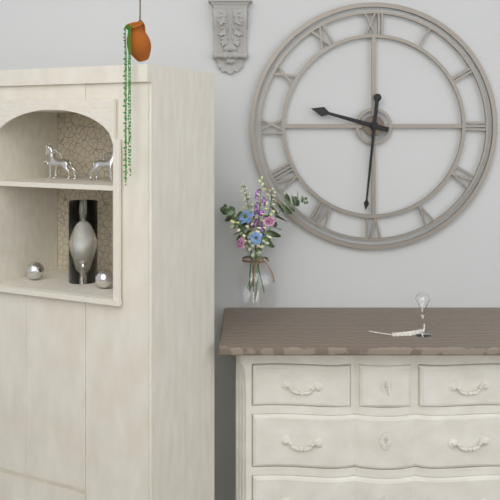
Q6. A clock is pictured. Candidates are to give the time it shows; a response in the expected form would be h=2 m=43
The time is h=9 m=31
